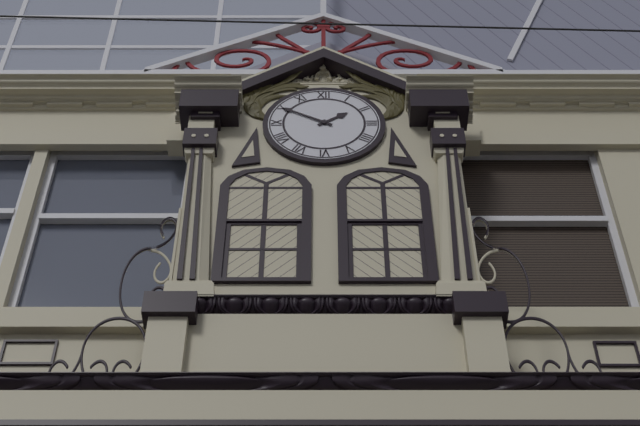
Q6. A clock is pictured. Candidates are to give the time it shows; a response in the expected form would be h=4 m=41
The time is h=1 m=50
